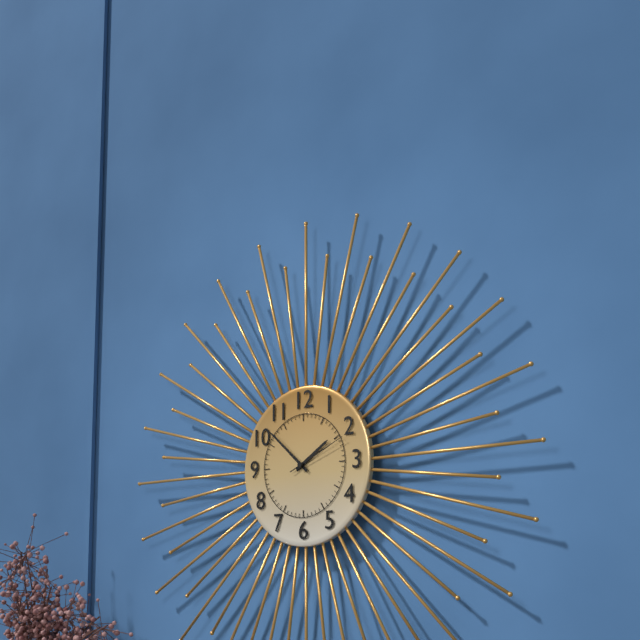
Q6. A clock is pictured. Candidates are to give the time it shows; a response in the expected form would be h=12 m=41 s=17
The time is h=1 m=52 s=11
